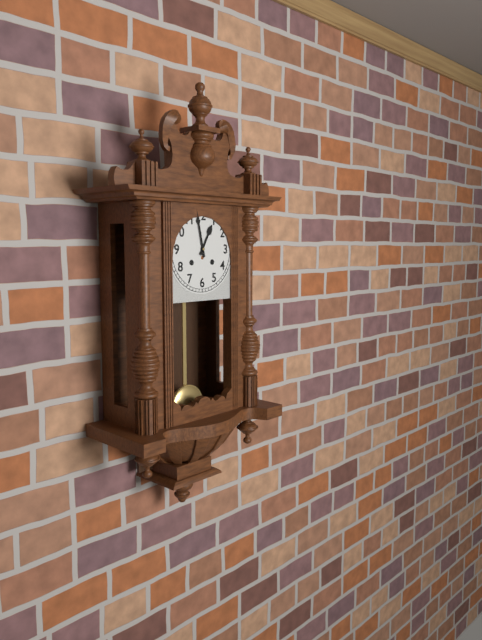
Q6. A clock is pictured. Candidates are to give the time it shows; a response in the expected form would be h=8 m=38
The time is h=12 m=58
